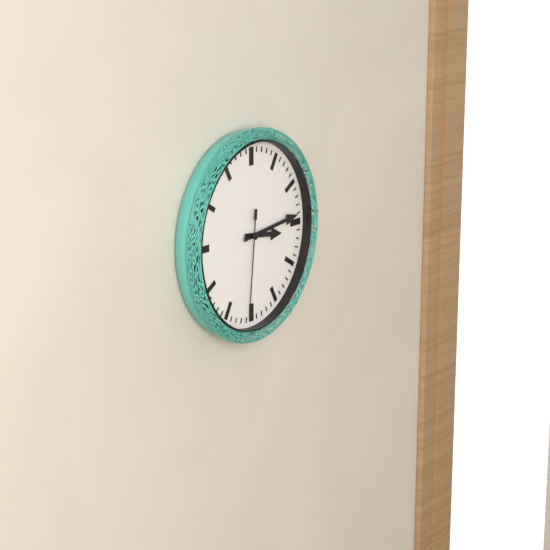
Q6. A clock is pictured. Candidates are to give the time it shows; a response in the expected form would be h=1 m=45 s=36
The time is h=3 m=14 s=31
